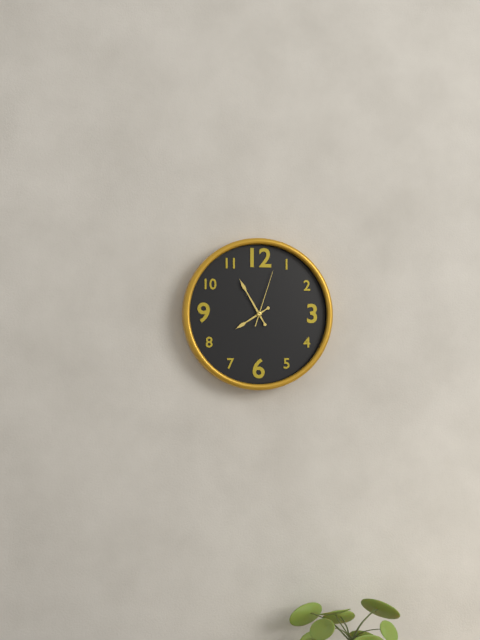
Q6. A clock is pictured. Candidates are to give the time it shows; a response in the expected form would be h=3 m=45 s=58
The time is h=7 m=55 s=3
